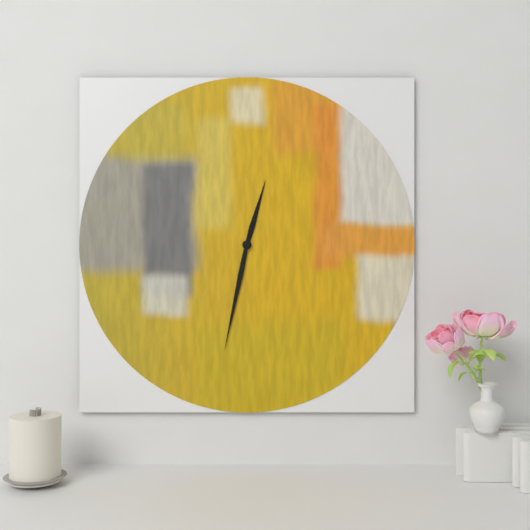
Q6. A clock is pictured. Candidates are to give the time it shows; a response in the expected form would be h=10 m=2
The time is h=12 m=32
